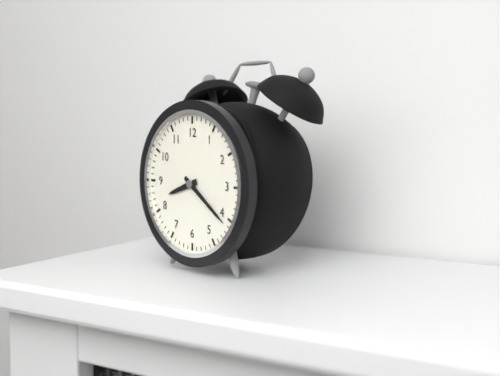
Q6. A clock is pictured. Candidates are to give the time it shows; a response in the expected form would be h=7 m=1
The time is h=8 m=21
